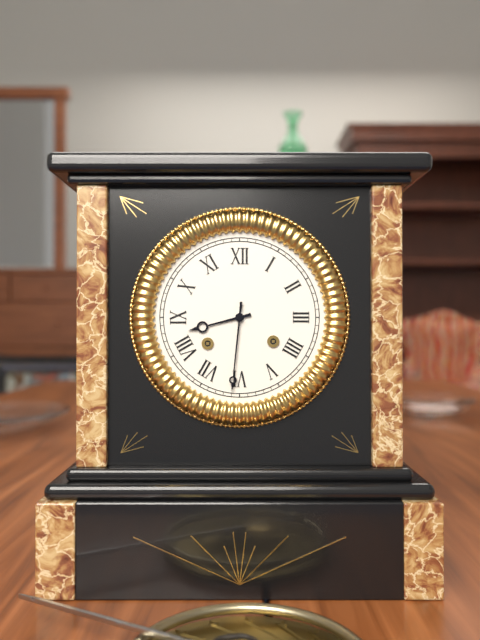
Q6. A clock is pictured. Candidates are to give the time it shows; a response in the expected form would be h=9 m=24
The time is h=8 m=31
